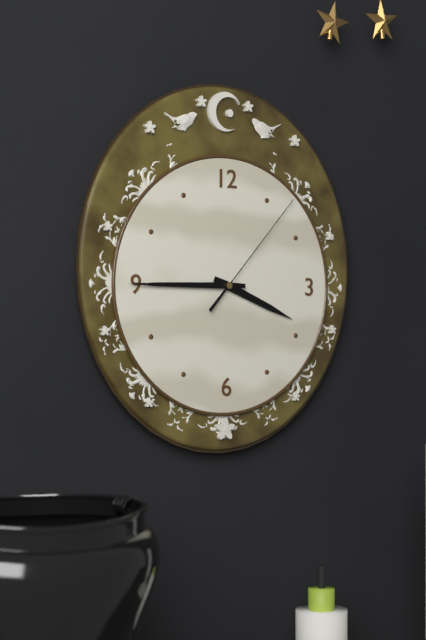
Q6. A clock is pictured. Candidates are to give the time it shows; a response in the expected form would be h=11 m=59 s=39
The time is h=3 m=45 s=7
